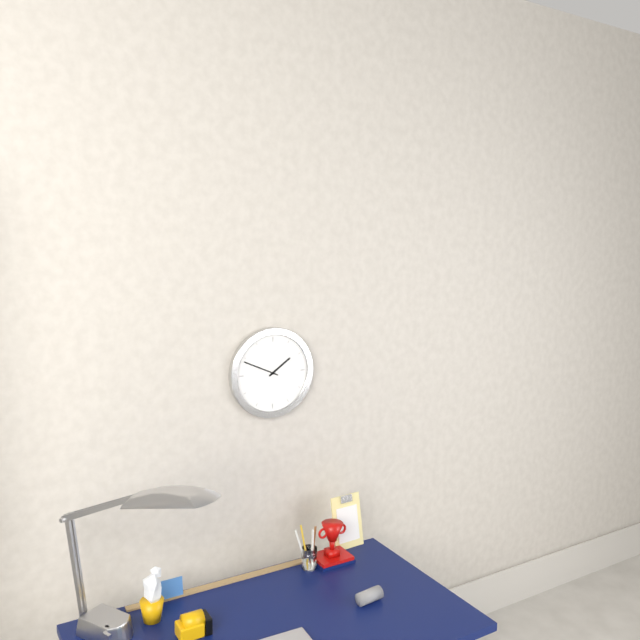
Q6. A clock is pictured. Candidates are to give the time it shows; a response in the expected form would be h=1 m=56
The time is h=1 m=49
